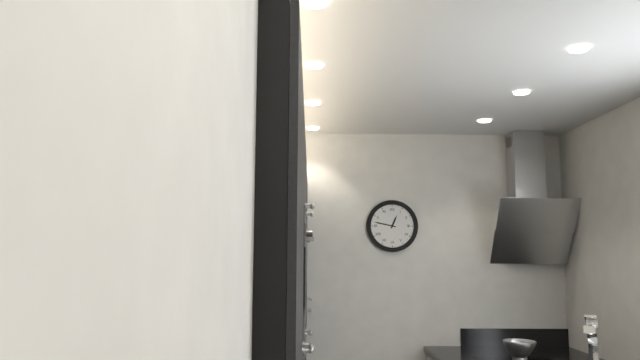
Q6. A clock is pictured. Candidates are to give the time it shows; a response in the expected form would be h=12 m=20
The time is h=12 m=47
